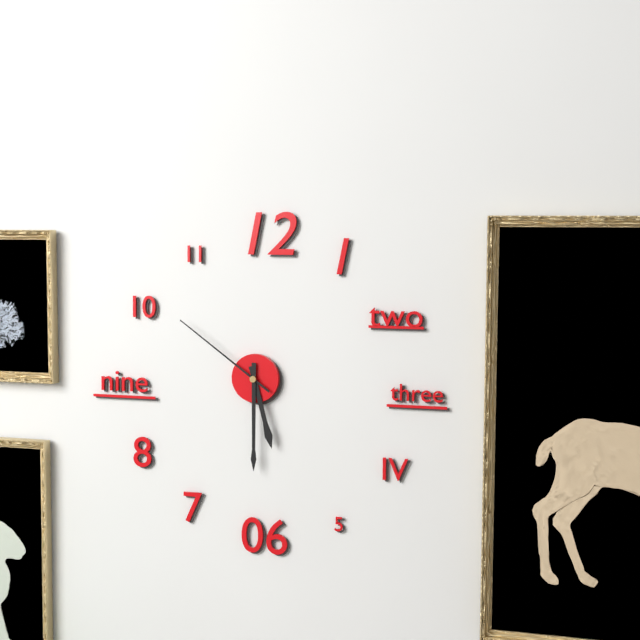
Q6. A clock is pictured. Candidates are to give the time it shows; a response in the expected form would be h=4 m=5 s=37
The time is h=5 m=30 s=51
